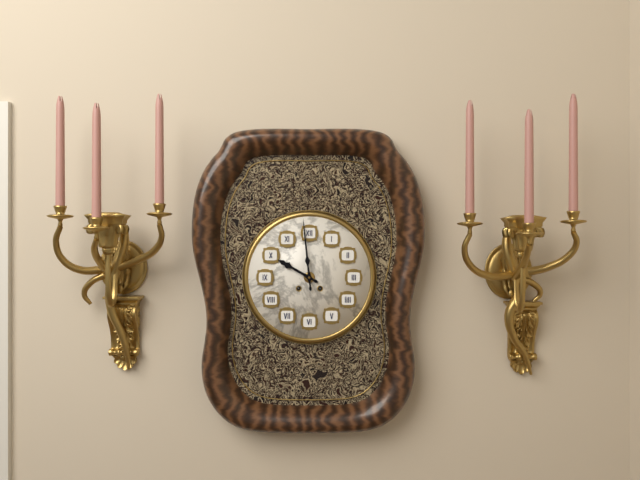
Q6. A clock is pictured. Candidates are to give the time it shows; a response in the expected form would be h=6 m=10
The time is h=9 m=59
